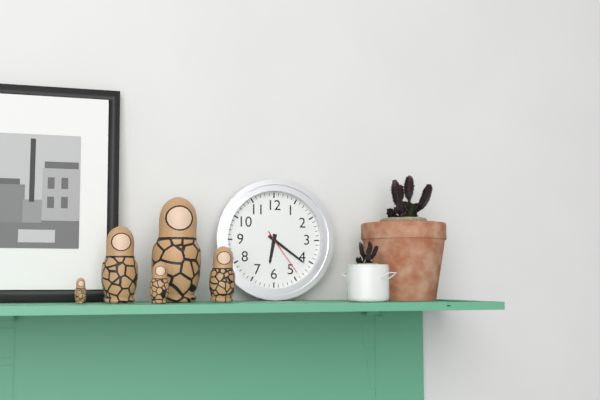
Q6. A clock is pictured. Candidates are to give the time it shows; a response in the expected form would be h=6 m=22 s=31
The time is h=6 m=21 s=24
